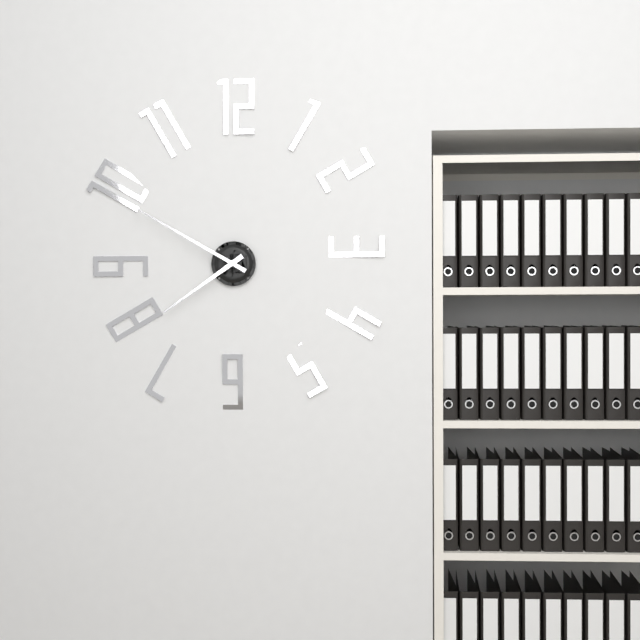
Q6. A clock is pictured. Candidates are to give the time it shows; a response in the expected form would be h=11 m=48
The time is h=7 m=50
